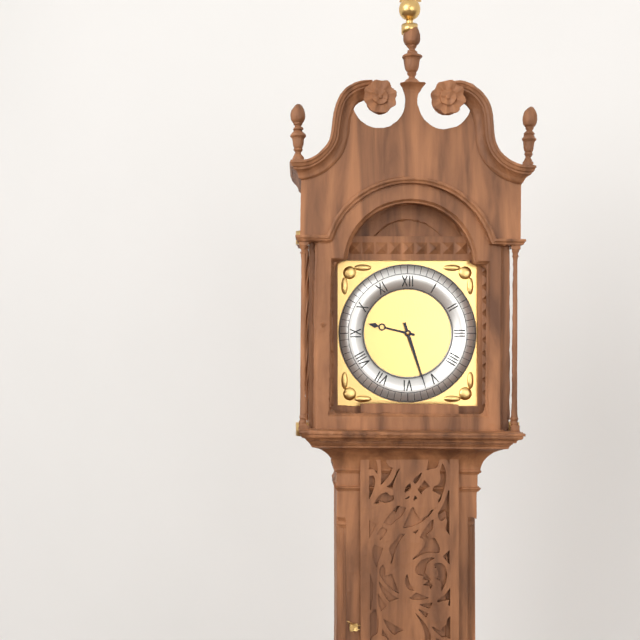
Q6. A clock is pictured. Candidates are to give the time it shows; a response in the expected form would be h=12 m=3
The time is h=9 m=27
